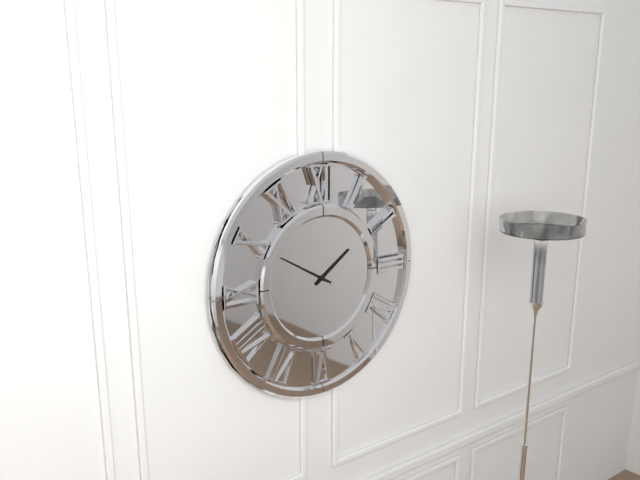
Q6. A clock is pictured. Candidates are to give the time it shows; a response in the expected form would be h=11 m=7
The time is h=1 m=50
